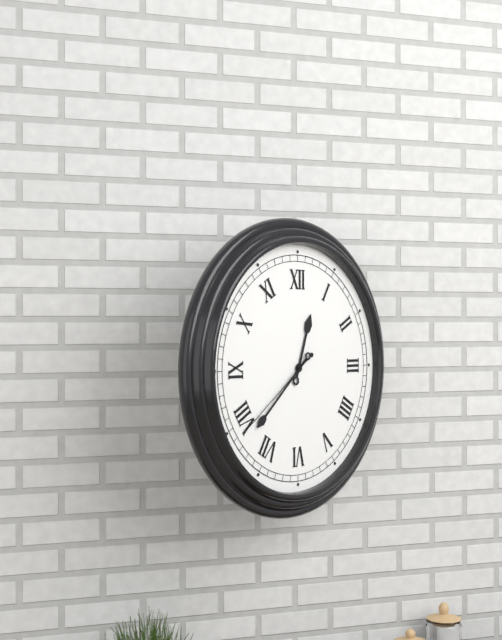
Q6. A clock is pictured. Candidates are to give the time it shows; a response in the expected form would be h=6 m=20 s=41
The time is h=12 m=38 s=39
